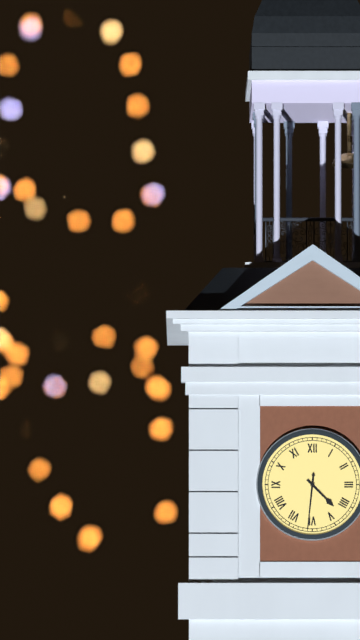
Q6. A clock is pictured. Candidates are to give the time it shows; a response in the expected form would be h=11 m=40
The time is h=4 m=31
